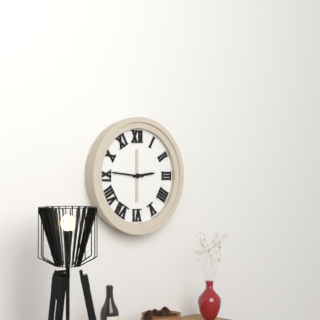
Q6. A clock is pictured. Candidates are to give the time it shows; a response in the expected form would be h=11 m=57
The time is h=2 m=46
